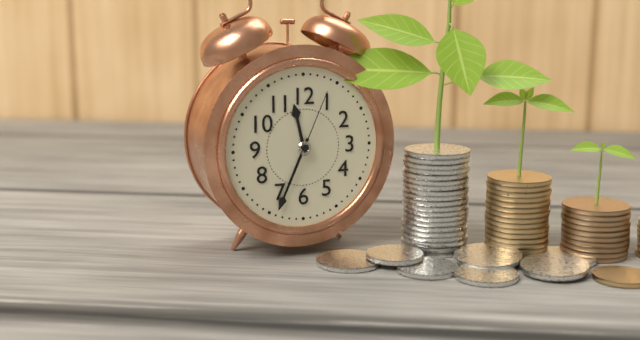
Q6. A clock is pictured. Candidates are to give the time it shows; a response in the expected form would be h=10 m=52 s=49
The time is h=11 m=34 s=4
